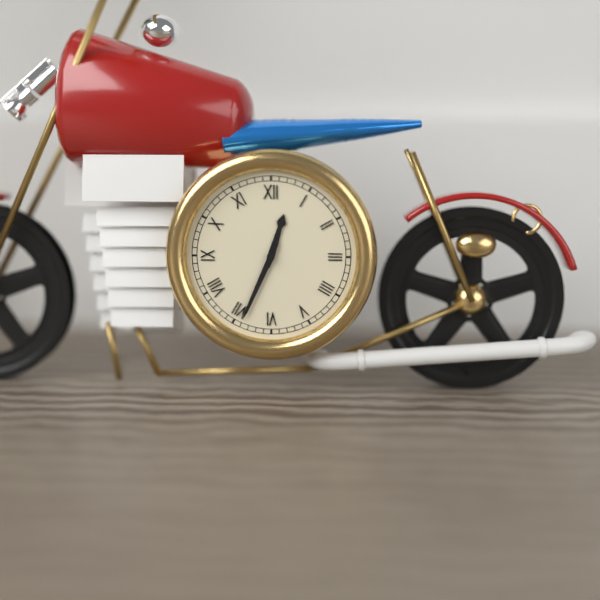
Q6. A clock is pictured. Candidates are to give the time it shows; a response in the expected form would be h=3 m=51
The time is h=12 m=34
